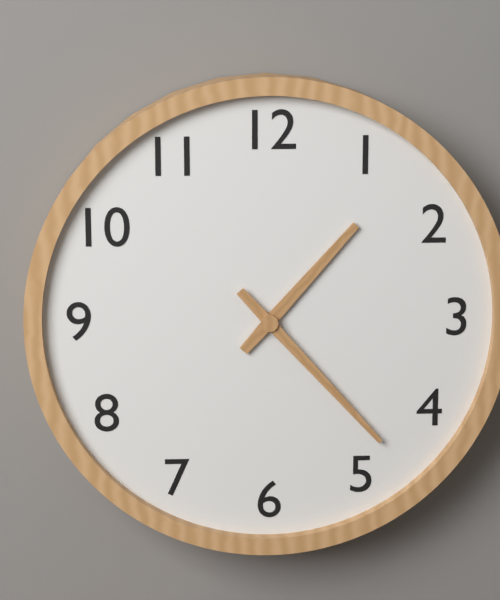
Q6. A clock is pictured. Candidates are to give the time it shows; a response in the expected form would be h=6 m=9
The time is h=1 m=23
